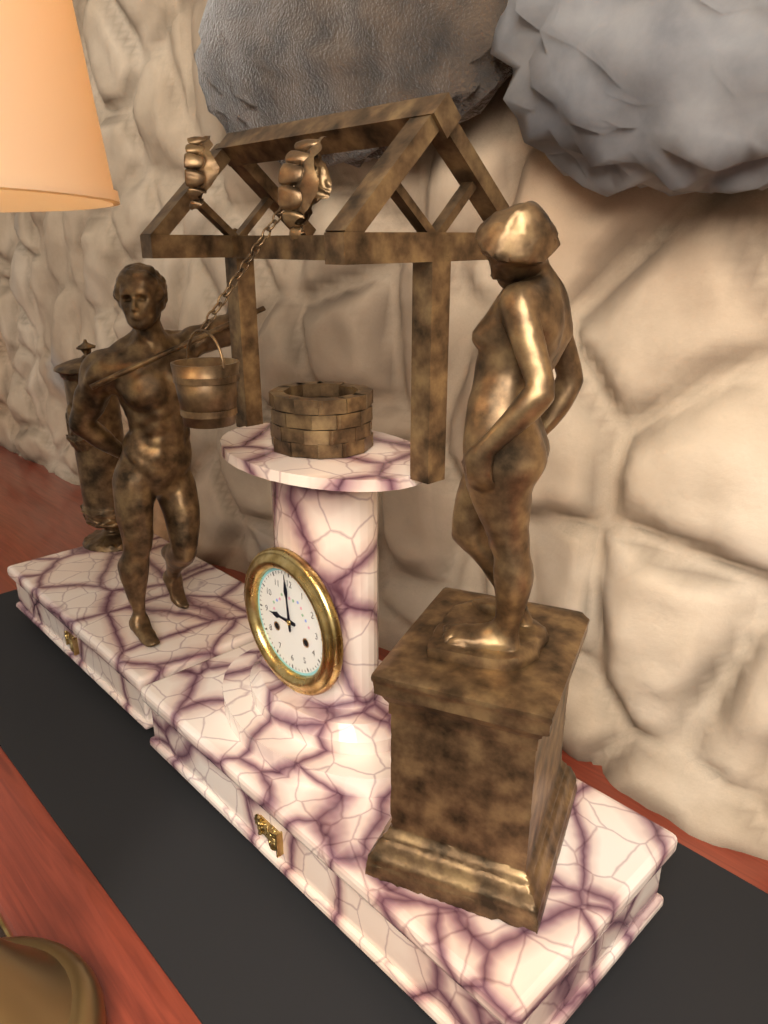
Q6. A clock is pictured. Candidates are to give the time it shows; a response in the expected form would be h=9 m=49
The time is h=8 m=59
